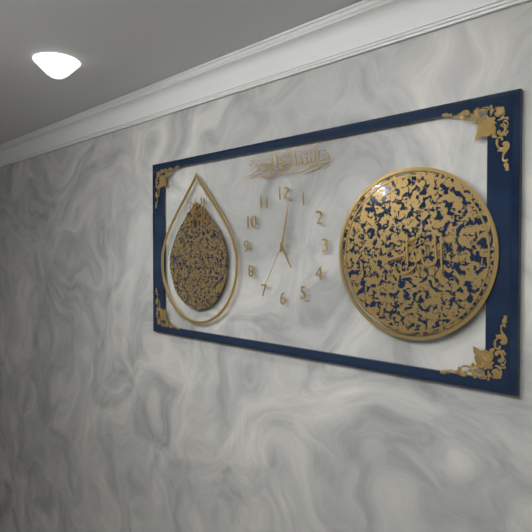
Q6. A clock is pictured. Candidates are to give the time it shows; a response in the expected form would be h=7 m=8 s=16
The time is h=5 m=2 s=35
